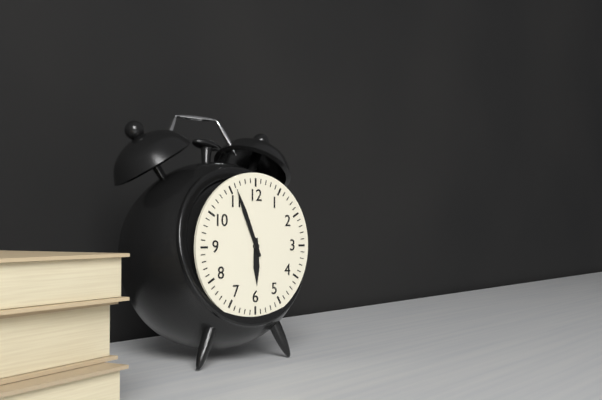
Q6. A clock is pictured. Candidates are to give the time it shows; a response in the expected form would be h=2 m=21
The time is h=5 m=56
